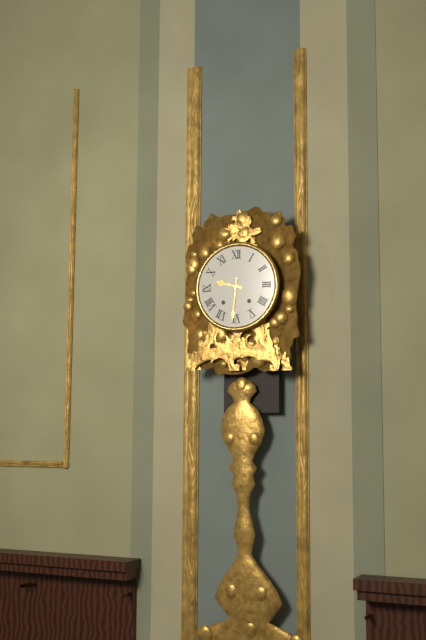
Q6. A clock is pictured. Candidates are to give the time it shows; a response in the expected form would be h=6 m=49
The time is h=9 m=31
